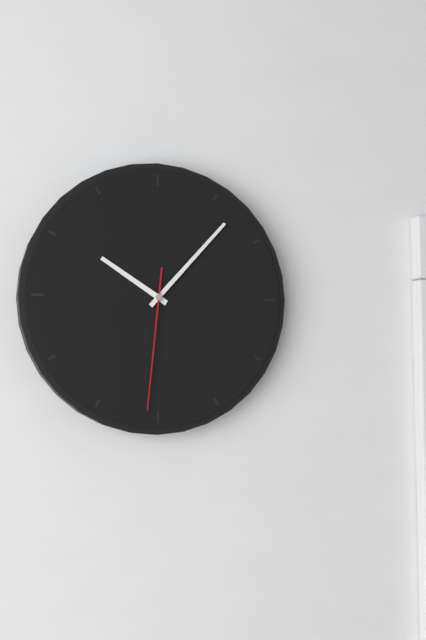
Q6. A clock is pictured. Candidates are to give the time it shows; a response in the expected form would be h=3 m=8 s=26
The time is h=10 m=7 s=31
